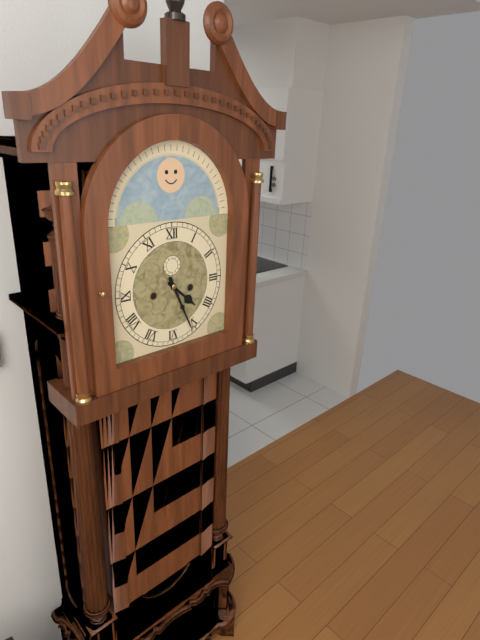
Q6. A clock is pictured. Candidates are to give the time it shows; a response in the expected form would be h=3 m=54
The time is h=4 m=26
